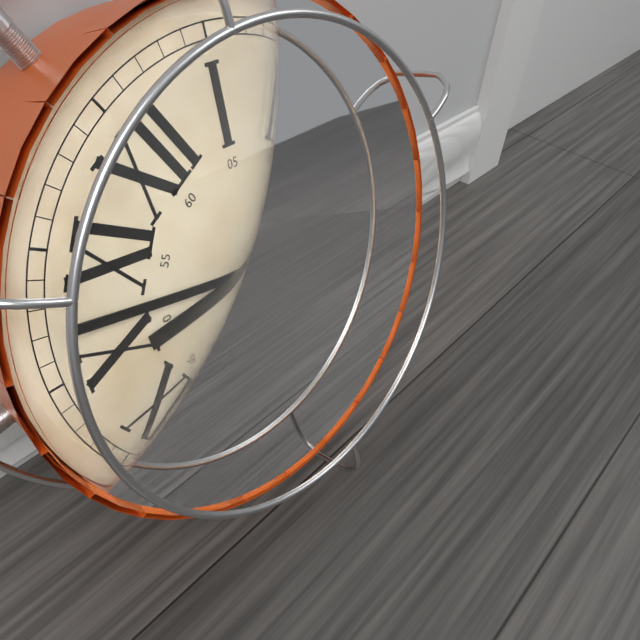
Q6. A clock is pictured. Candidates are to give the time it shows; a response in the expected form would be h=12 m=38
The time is h=9 m=52
